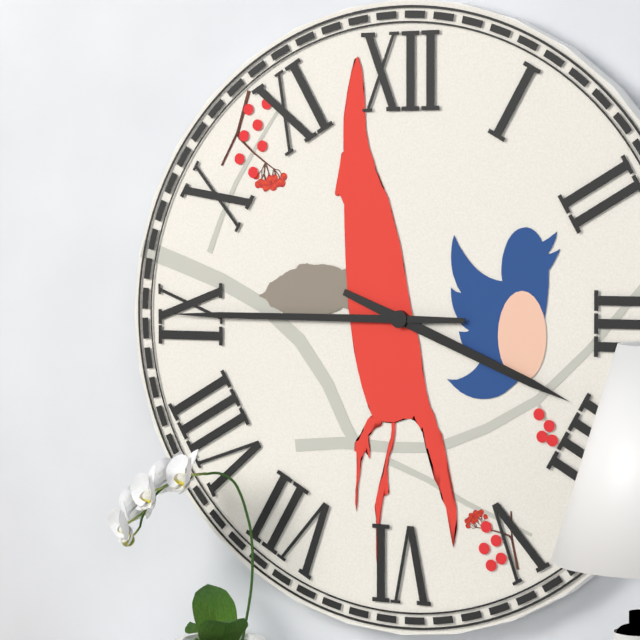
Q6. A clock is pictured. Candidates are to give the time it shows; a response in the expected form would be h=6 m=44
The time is h=3 m=45
